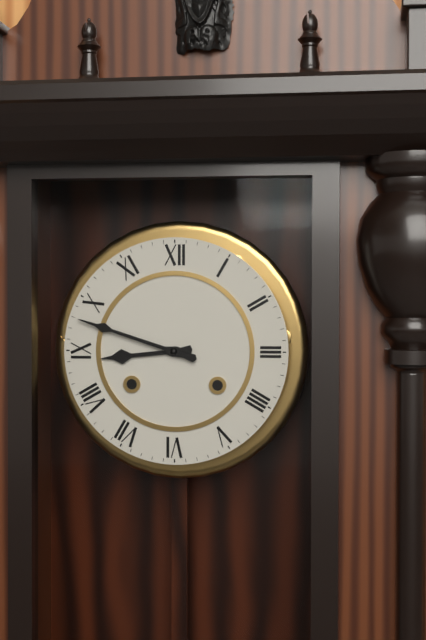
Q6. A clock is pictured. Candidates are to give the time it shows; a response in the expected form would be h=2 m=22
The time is h=8 m=48
